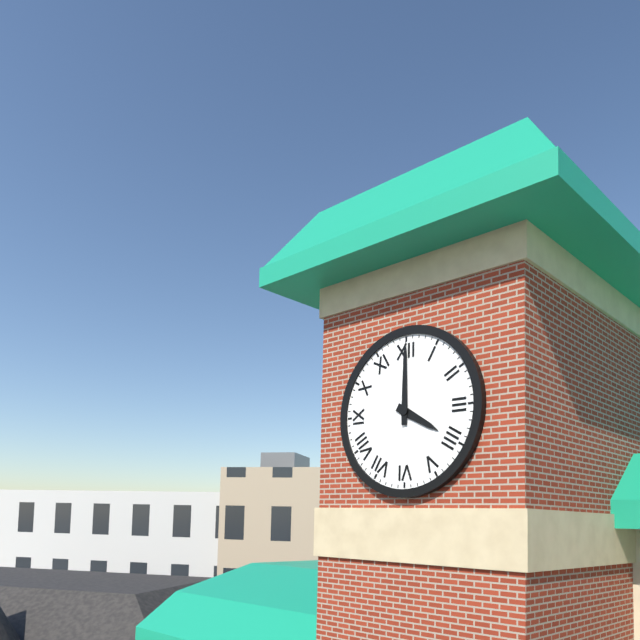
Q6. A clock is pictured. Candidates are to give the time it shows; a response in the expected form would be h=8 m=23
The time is h=4 m=0
